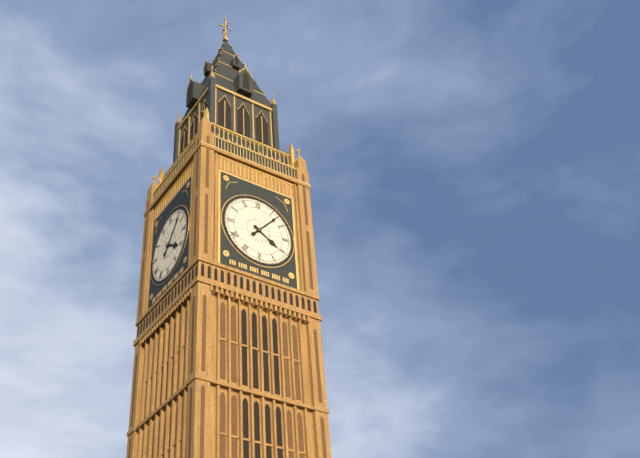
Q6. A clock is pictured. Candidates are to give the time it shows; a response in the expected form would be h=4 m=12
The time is h=4 m=7
